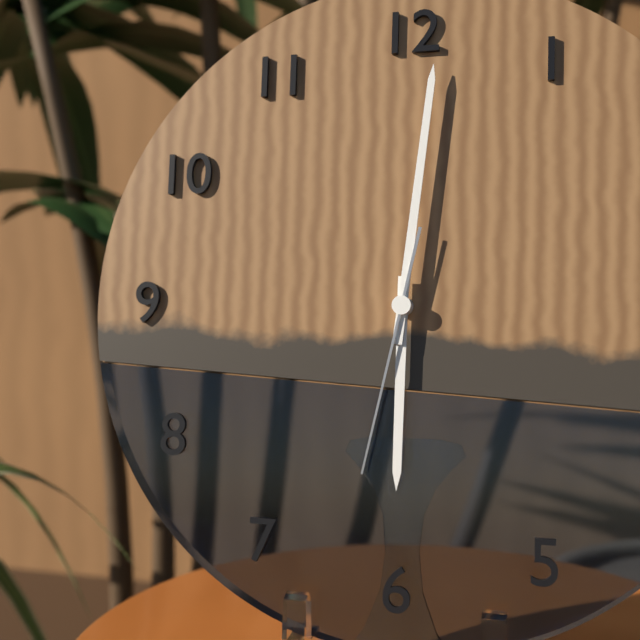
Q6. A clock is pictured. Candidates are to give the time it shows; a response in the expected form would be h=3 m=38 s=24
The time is h=6 m=1 s=32
